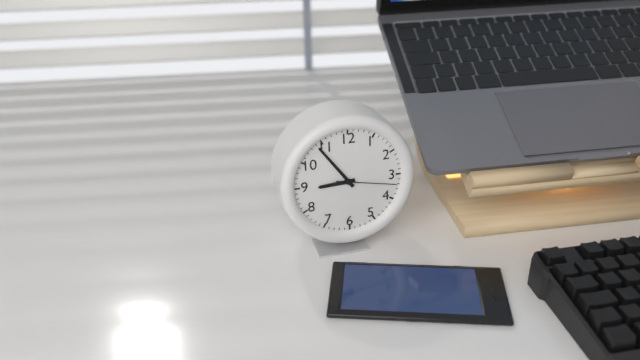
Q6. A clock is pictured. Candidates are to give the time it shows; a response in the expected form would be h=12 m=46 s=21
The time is h=8 m=54 s=17
